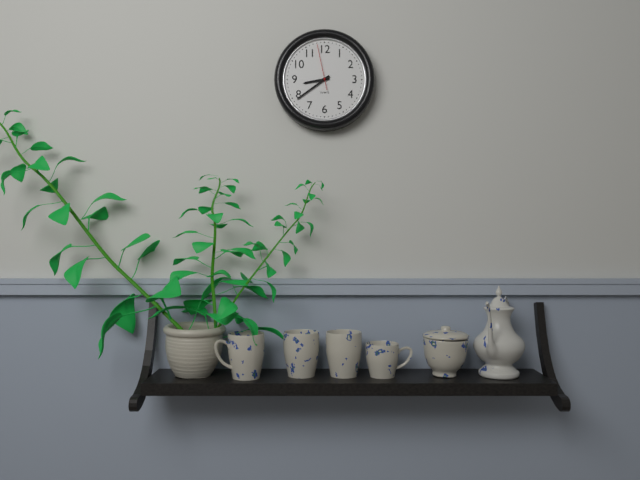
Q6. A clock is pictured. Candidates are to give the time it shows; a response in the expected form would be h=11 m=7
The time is h=8 m=39
